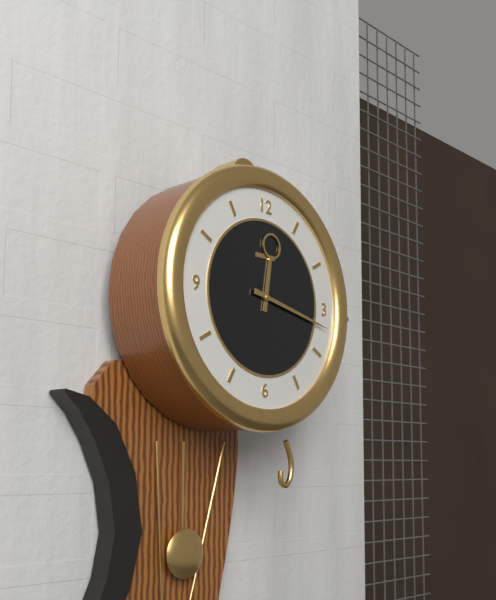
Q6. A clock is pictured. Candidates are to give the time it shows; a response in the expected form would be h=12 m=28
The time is h=12 m=17
